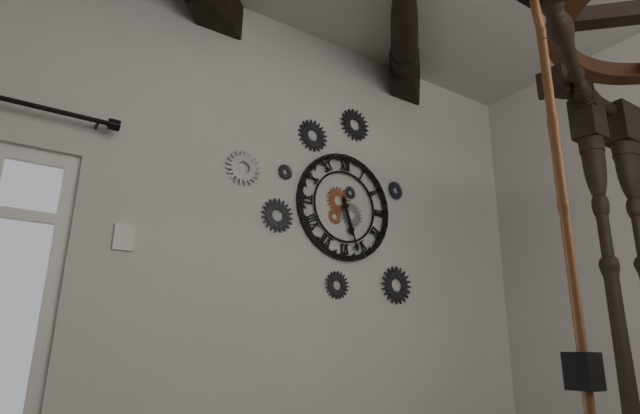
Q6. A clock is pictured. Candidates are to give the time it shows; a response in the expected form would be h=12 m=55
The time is h=5 m=27
